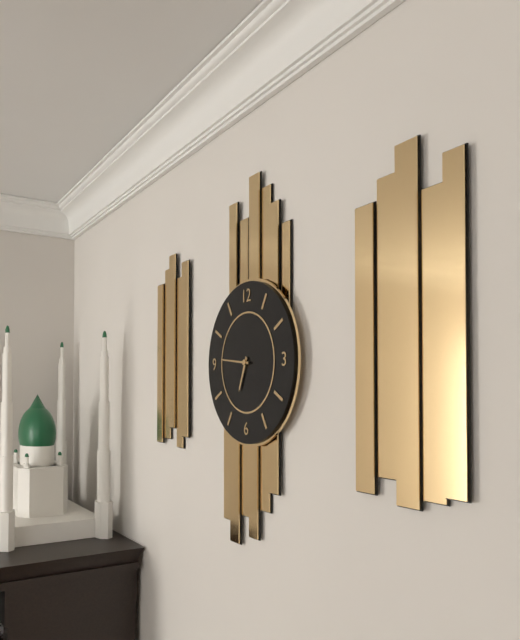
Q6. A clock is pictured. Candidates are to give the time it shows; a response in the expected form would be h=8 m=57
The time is h=6 m=46
